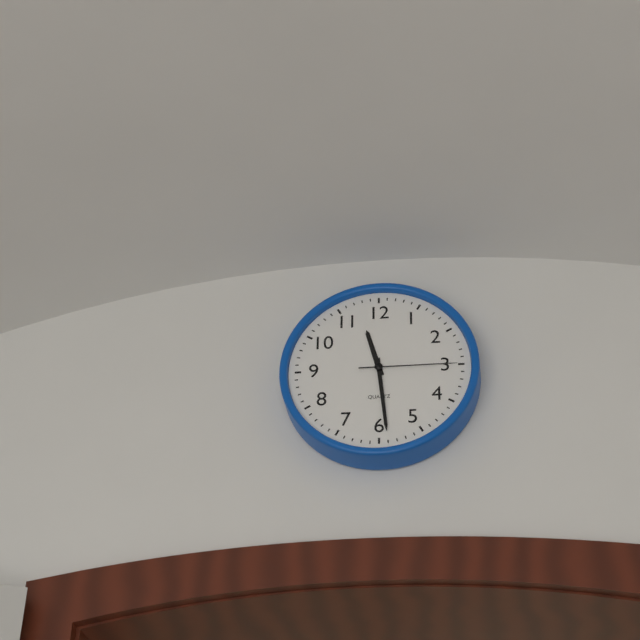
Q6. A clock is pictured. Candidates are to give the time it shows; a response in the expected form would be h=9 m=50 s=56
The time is h=11 m=29 s=15
